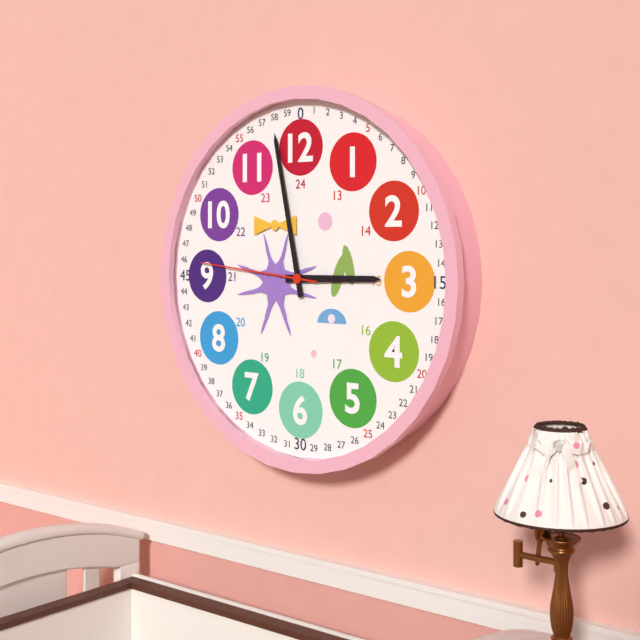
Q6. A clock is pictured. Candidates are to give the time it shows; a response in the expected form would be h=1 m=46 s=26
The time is h=2 m=58 s=46
